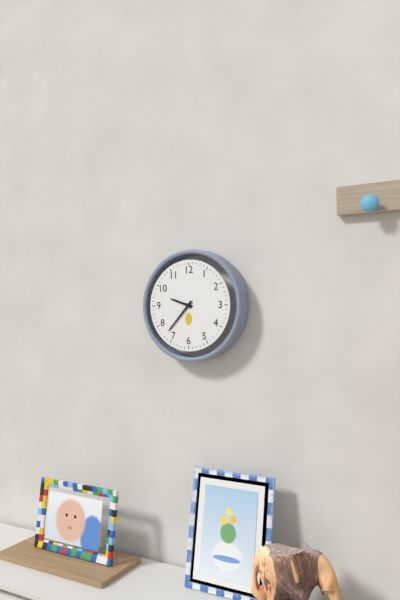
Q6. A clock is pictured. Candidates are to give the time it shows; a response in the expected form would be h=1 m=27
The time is h=9 m=37
